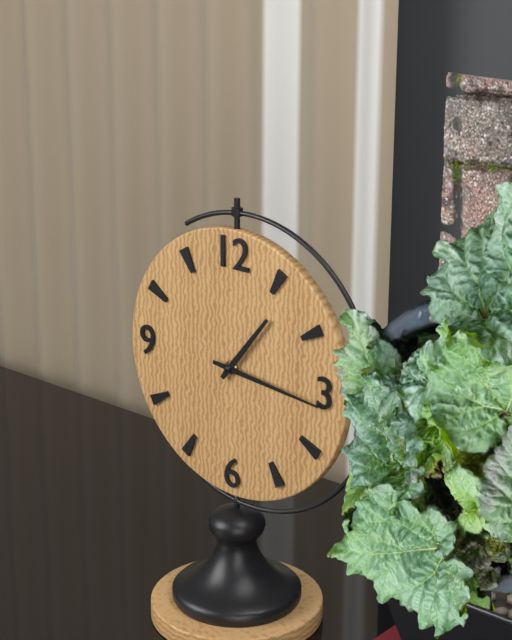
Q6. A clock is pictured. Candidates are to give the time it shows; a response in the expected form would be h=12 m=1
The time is h=1 m=16
